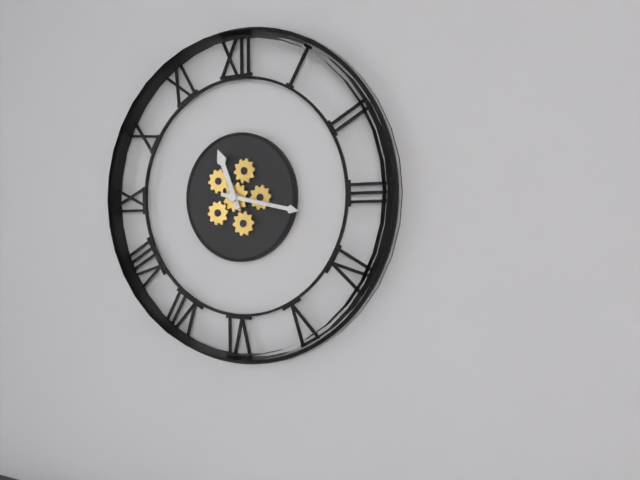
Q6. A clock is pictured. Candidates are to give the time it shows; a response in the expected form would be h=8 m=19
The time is h=11 m=17
